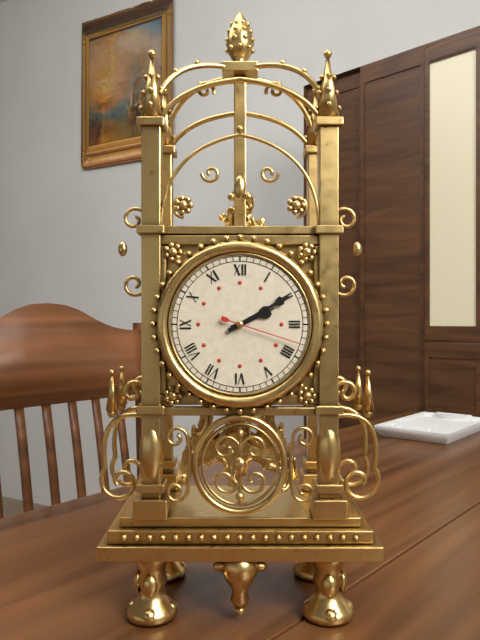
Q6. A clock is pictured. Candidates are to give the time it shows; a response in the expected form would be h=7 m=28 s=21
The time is h=2 m=10 s=18
